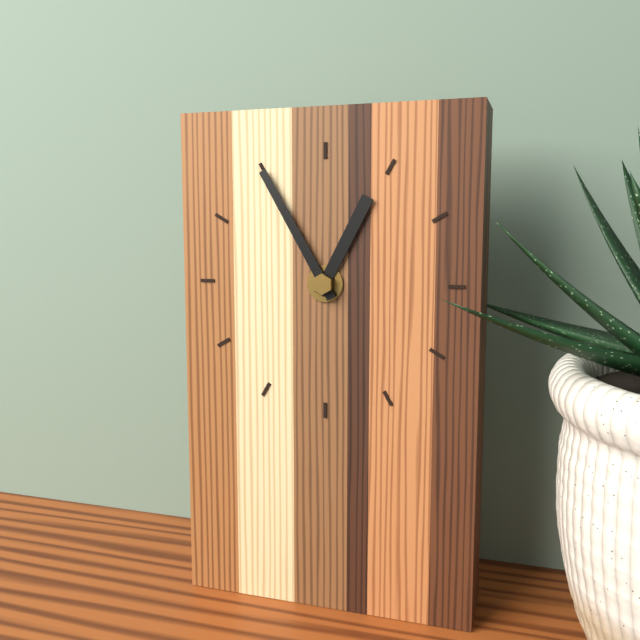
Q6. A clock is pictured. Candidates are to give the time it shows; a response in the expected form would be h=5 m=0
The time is h=12 m=55
